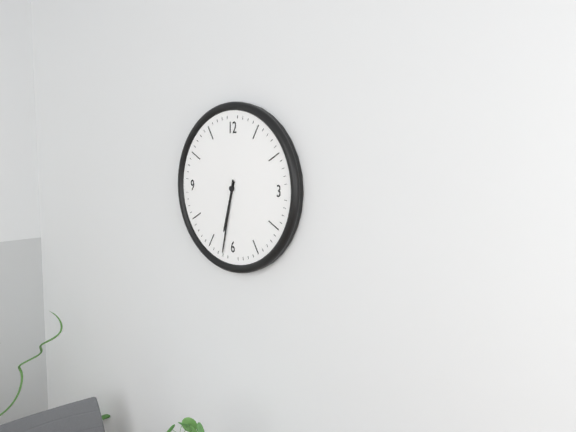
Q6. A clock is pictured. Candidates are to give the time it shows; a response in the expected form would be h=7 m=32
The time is h=6 m=32
